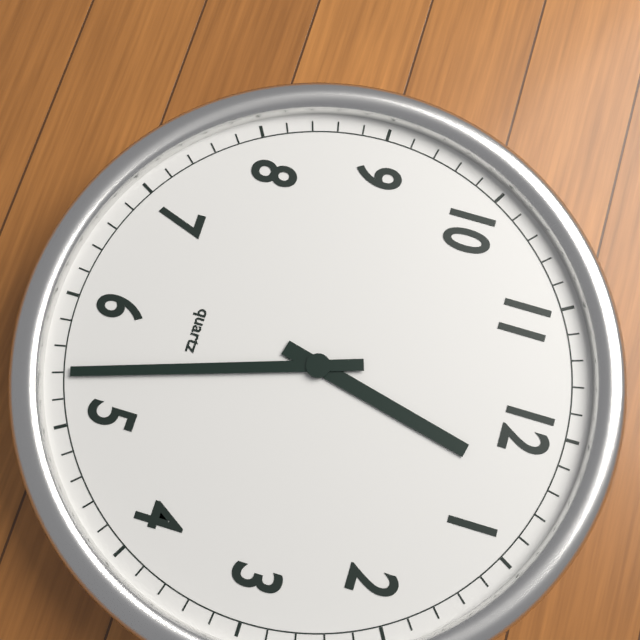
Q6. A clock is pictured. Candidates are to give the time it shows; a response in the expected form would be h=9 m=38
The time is h=12 m=27
